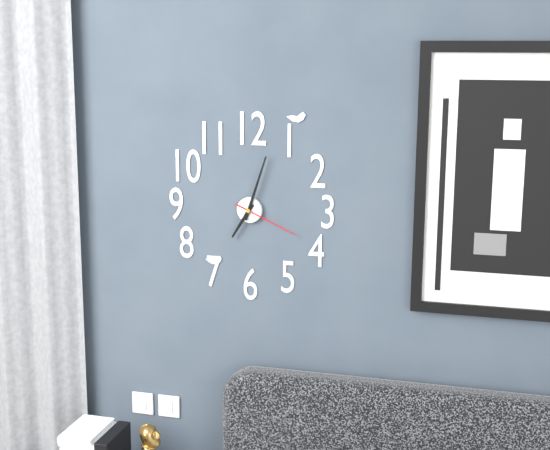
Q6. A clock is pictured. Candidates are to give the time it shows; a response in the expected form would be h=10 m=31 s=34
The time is h=7 m=3 s=19
